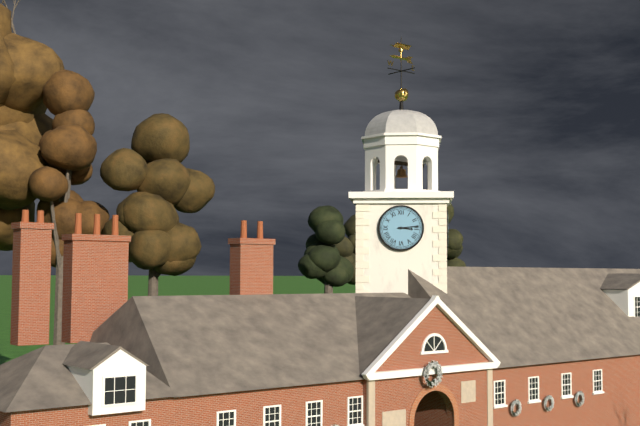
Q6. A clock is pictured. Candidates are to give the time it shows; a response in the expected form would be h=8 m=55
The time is h=3 m=14
